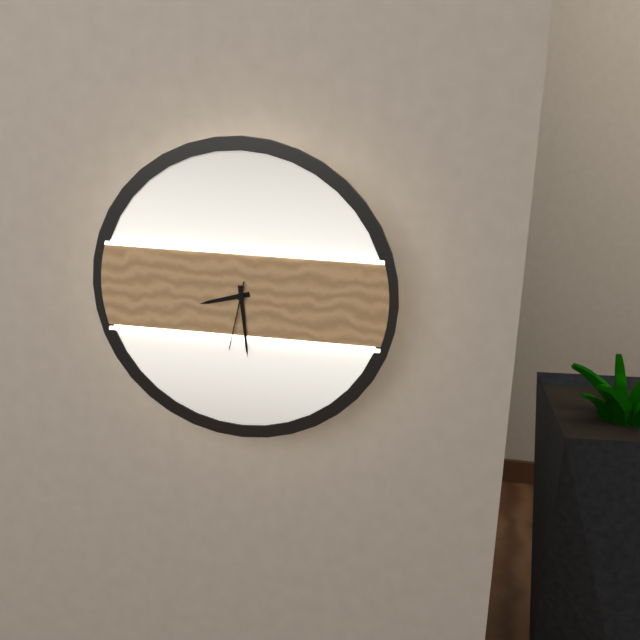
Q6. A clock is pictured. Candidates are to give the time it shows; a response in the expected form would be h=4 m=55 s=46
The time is h=8 m=29 s=32
